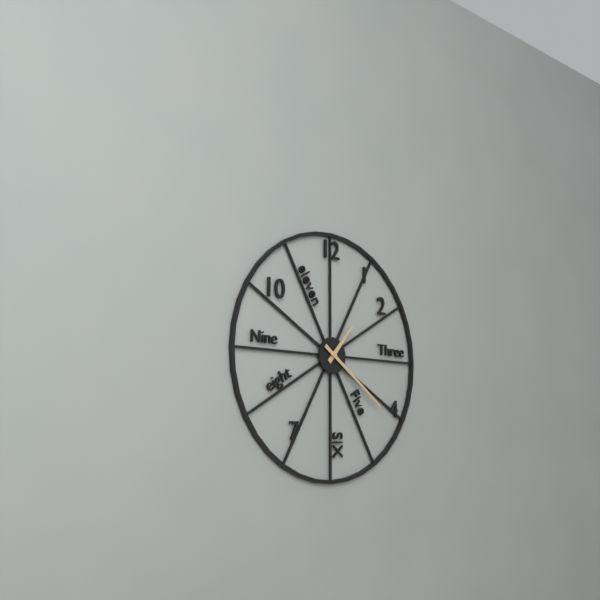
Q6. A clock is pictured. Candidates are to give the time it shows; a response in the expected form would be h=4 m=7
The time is h=1 m=21
